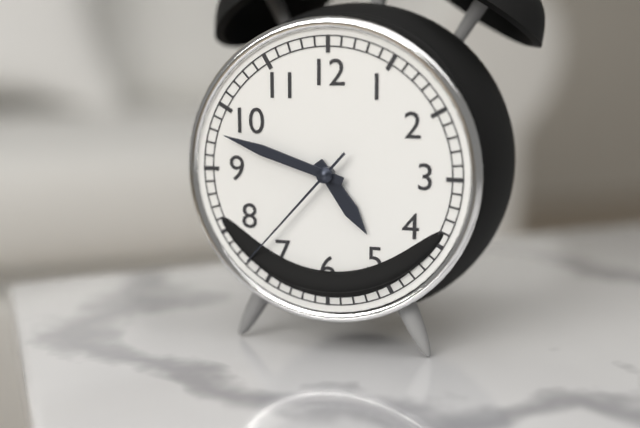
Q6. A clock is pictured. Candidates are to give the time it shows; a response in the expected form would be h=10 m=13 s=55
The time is h=4 m=48 s=37
